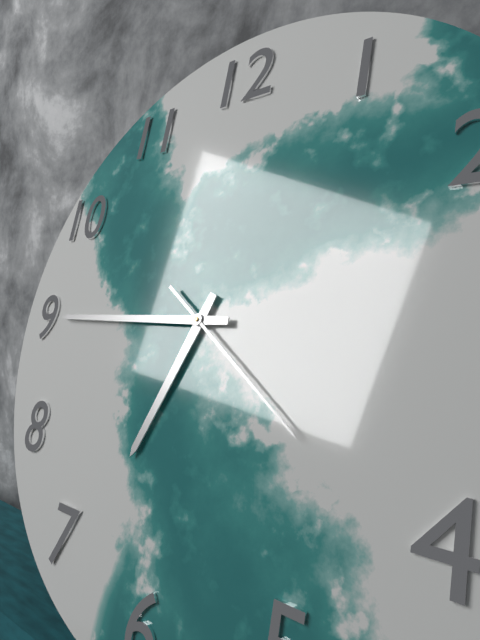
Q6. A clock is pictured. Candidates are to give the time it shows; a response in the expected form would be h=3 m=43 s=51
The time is h=6 m=45 s=21
